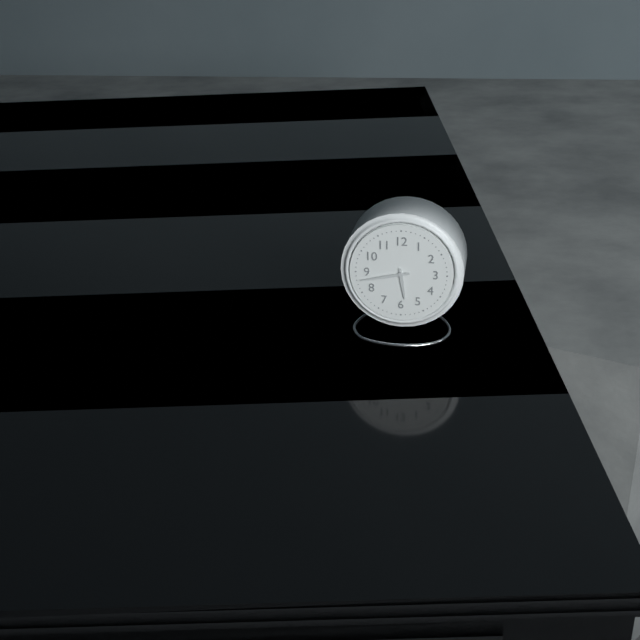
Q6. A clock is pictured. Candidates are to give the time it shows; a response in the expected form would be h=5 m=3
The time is h=5 m=43
